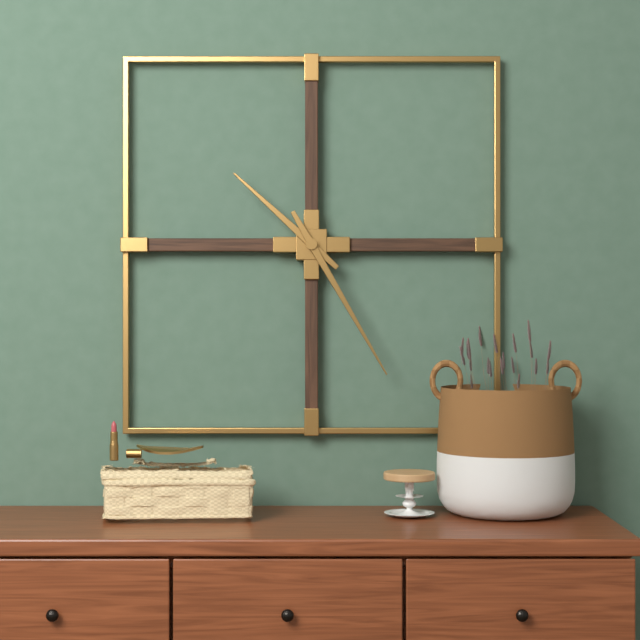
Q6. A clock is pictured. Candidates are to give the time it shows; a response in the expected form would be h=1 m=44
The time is h=10 m=25
